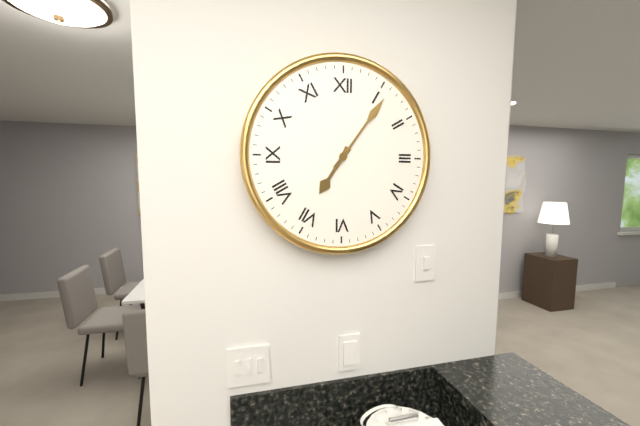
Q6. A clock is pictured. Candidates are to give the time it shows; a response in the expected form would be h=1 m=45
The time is h=7 m=6
